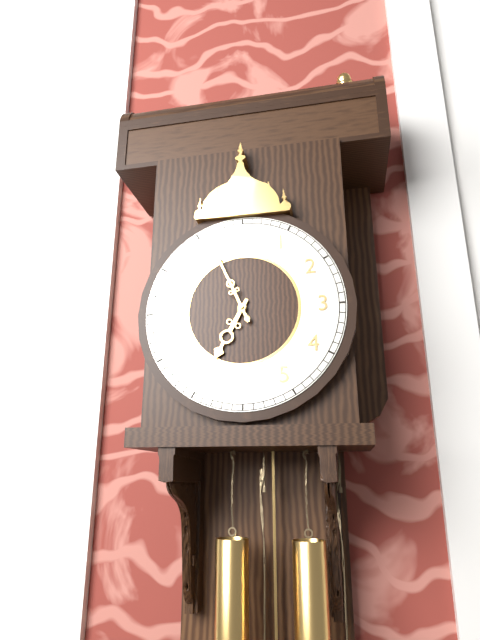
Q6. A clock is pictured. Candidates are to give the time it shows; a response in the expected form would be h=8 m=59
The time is h=6 m=56
